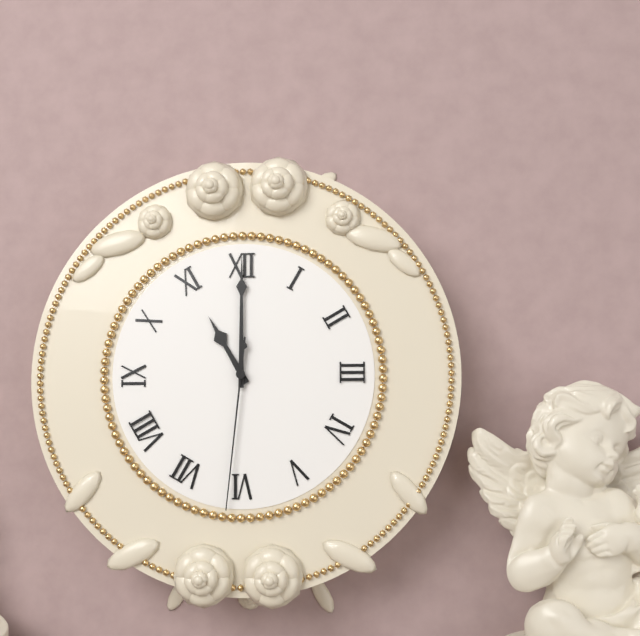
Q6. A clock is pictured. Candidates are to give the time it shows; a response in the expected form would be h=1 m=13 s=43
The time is h=11 m=0 s=31
